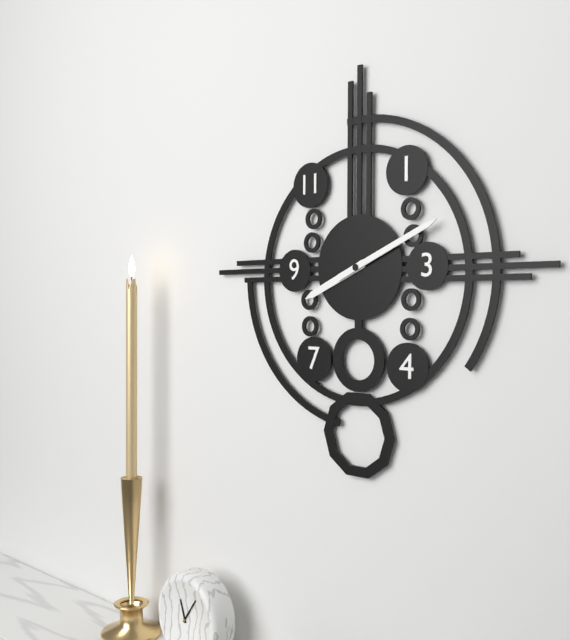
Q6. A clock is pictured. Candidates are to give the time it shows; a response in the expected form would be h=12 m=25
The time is h=8 m=11
